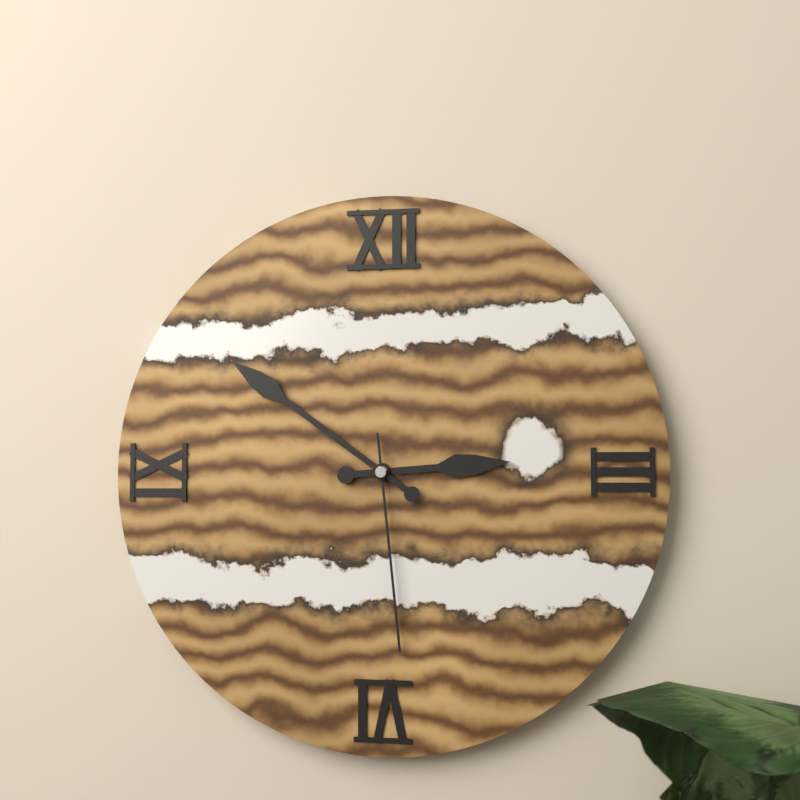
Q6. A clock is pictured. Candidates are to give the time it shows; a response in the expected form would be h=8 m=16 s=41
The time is h=2 m=51 s=29
